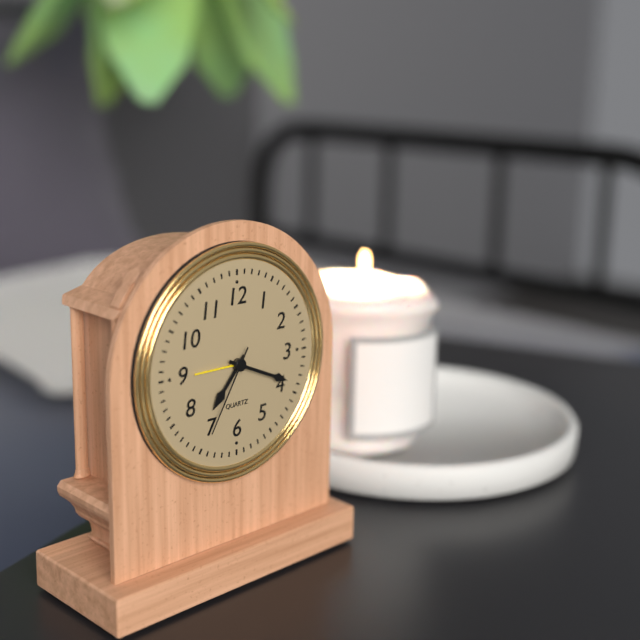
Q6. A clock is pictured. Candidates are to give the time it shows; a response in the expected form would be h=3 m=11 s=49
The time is h=7 m=19 s=35
